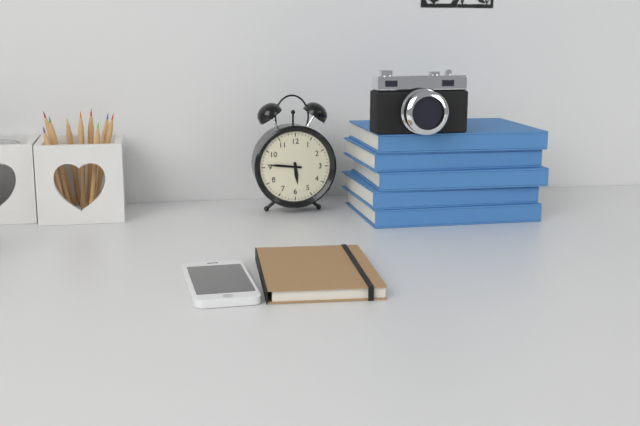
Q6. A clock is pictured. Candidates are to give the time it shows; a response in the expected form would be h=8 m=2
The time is h=5 m=46
